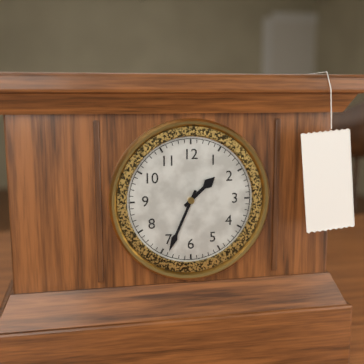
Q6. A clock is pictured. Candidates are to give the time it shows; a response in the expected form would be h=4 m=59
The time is h=1 m=34
